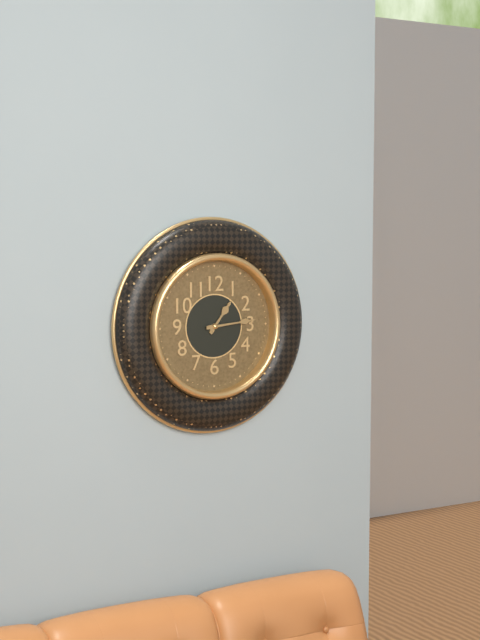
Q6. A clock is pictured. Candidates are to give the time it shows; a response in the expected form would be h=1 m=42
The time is h=1 m=14
